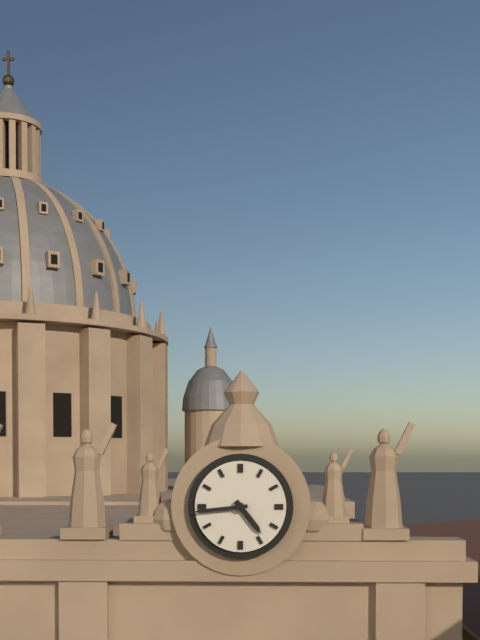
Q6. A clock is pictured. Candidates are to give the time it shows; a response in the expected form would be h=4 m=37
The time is h=4 m=44
